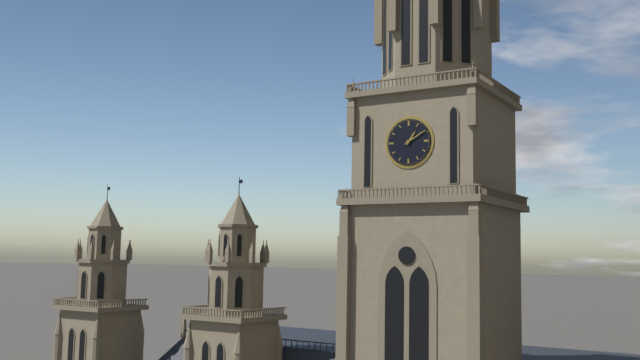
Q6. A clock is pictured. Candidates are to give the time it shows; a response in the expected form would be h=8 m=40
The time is h=1 m=10
